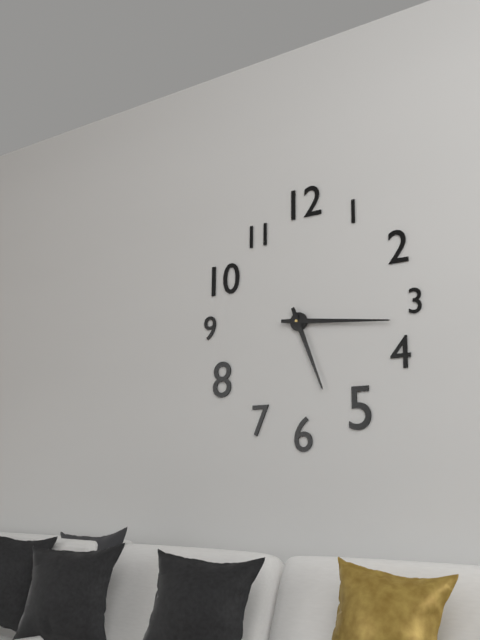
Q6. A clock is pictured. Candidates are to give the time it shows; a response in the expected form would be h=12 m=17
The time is h=5 m=16
